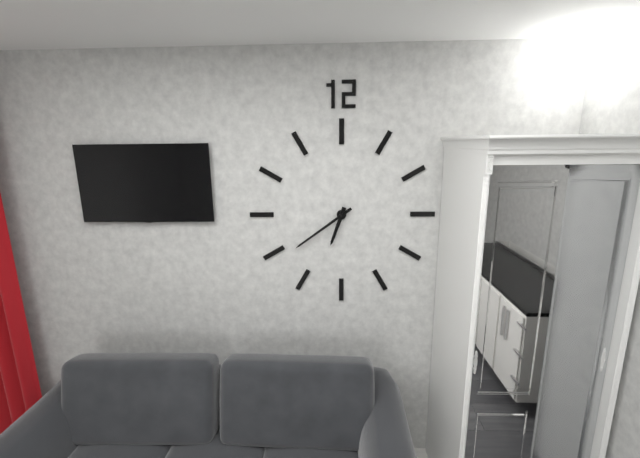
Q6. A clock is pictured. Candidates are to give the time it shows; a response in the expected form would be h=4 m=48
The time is h=6 m=39
